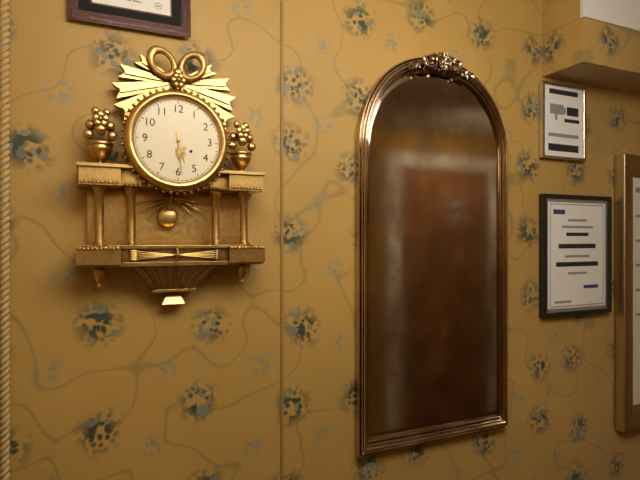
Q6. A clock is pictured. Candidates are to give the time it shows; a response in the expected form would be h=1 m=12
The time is h=5 m=29
